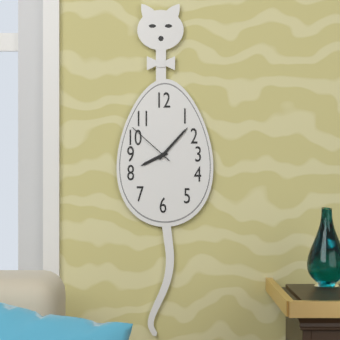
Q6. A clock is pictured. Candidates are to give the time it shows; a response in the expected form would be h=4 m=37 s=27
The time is h=8 m=7 s=52
